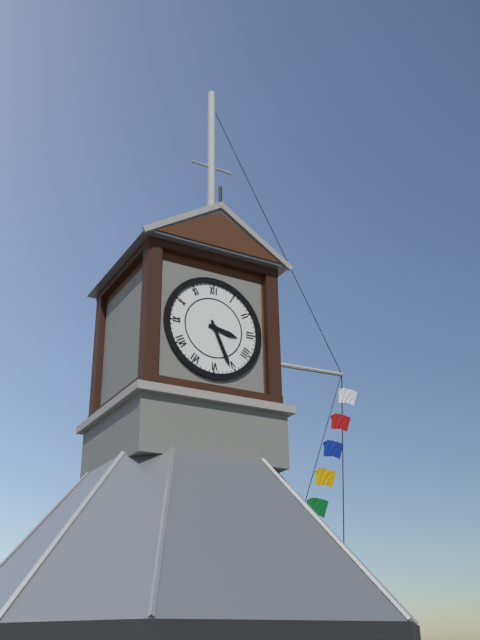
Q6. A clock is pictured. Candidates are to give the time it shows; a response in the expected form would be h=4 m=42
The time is h=3 m=26
